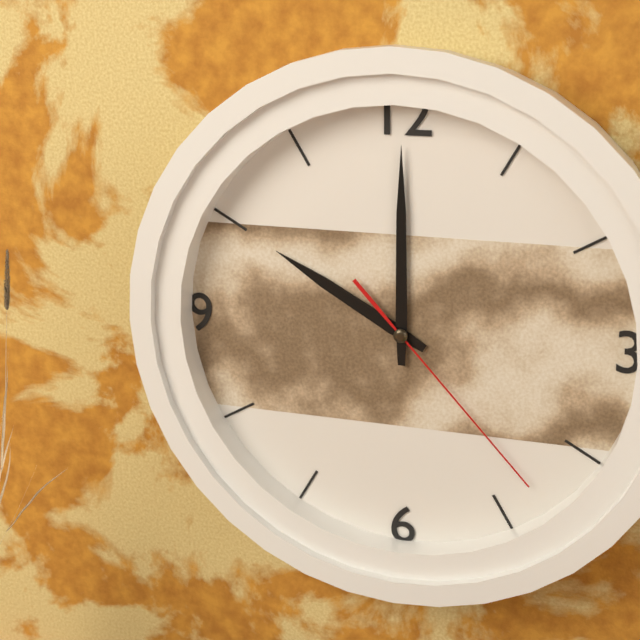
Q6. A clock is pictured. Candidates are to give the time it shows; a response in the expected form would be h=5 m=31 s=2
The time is h=10 m=0 s=23
